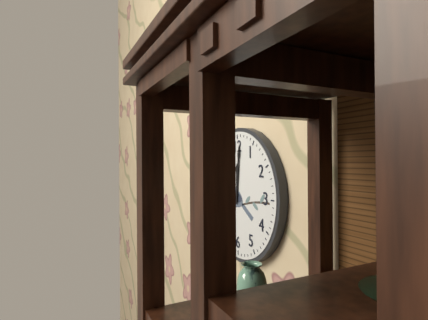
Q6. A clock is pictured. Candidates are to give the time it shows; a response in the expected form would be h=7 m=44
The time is h=12 m=1
